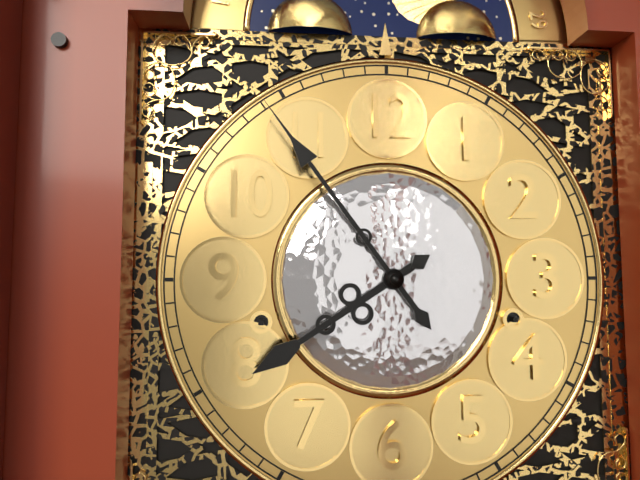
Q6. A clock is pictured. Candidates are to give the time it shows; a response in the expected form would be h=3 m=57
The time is h=7 m=54
